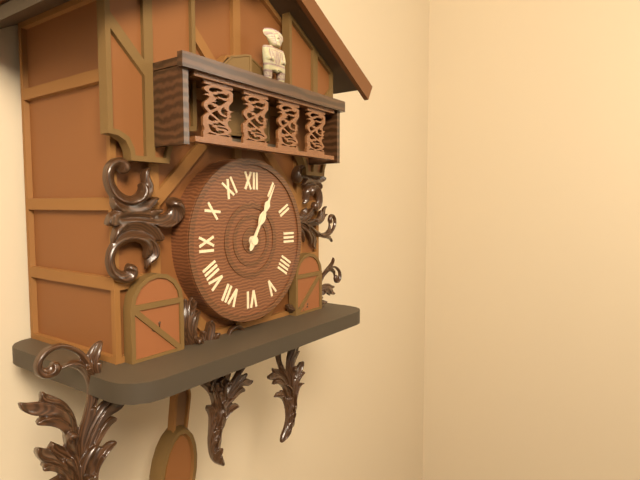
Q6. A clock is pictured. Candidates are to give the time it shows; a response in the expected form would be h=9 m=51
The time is h=1 m=5
